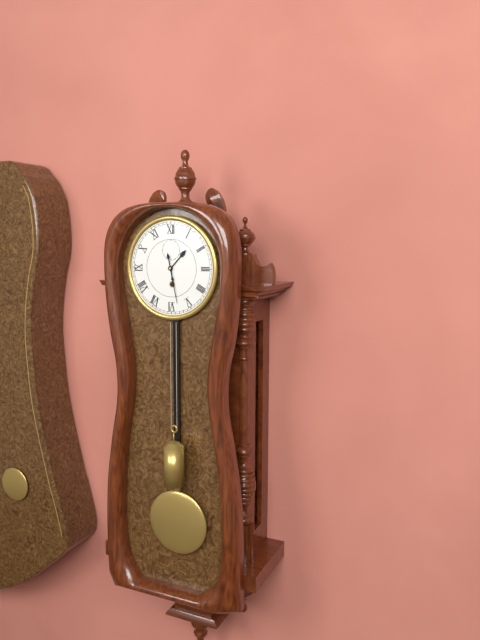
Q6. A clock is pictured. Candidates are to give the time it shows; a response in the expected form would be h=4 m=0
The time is h=1 m=28
